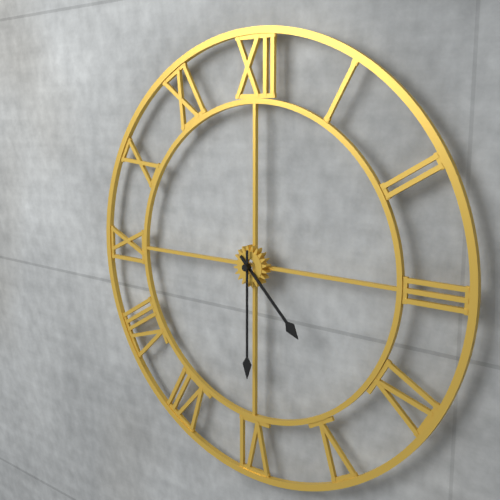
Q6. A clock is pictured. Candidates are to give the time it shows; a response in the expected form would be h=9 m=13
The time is h=4 m=30
